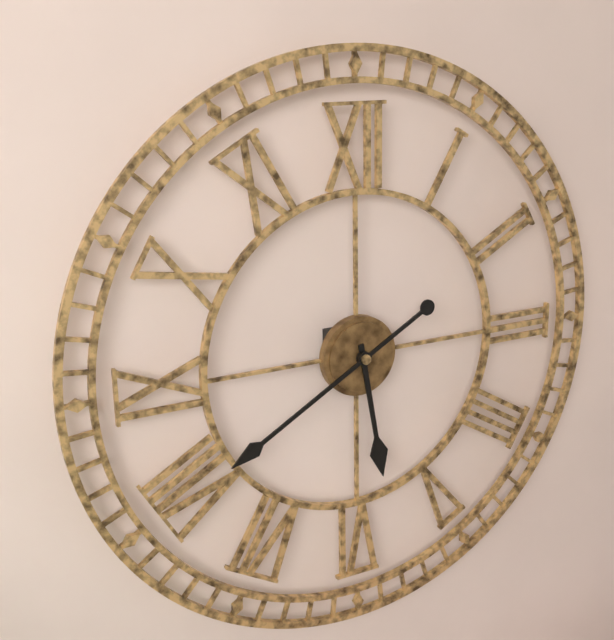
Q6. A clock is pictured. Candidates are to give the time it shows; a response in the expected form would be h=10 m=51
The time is h=5 m=40
